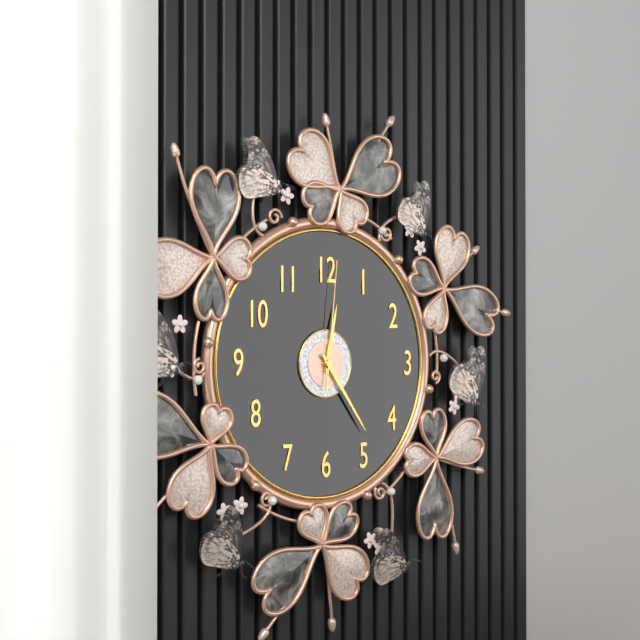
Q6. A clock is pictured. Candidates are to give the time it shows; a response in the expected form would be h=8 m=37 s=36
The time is h=12 m=24 s=1
